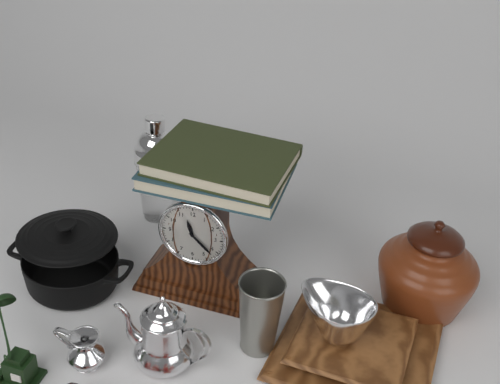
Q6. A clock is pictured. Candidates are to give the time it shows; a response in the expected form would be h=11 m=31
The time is h=11 m=22
